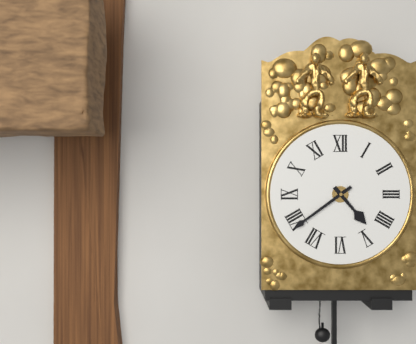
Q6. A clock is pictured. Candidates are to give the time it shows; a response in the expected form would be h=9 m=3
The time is h=4 m=39
